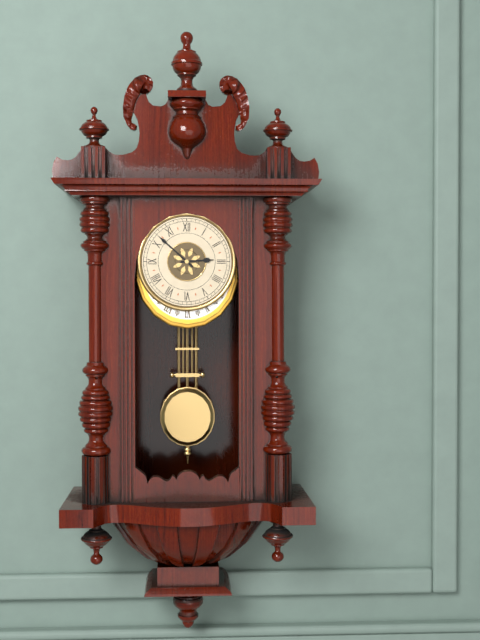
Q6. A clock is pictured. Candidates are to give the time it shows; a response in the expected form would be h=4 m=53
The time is h=2 m=52
